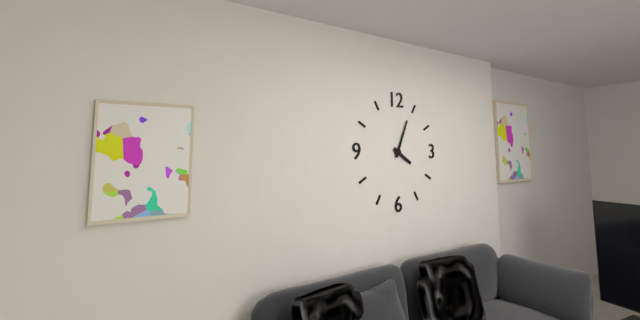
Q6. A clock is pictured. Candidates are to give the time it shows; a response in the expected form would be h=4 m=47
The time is h=4 m=4
